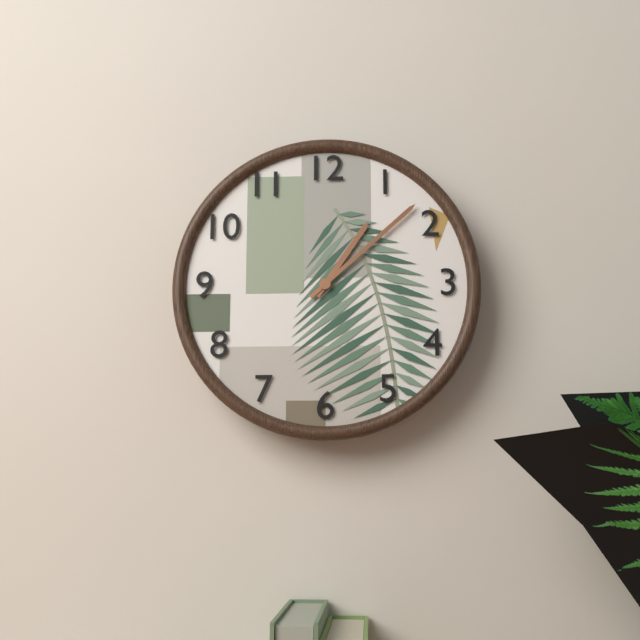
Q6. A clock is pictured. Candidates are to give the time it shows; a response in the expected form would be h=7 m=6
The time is h=1 m=8
